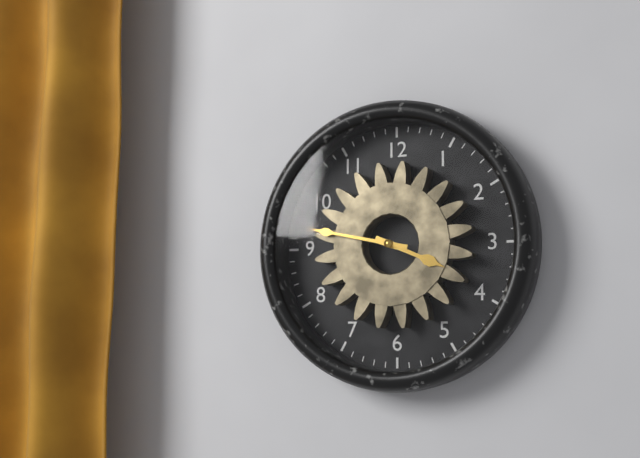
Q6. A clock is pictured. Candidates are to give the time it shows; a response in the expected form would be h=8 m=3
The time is h=3 m=47
